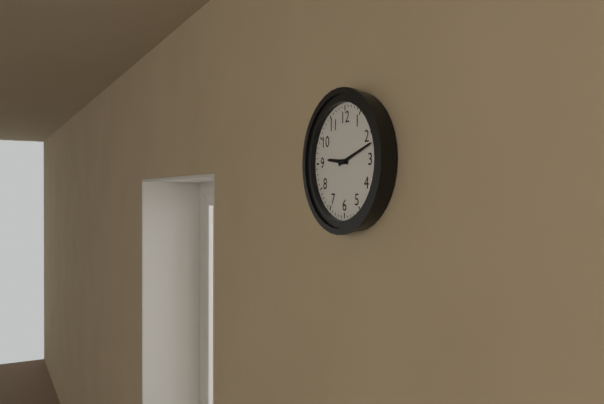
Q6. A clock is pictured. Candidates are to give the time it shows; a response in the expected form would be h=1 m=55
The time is h=9 m=12
